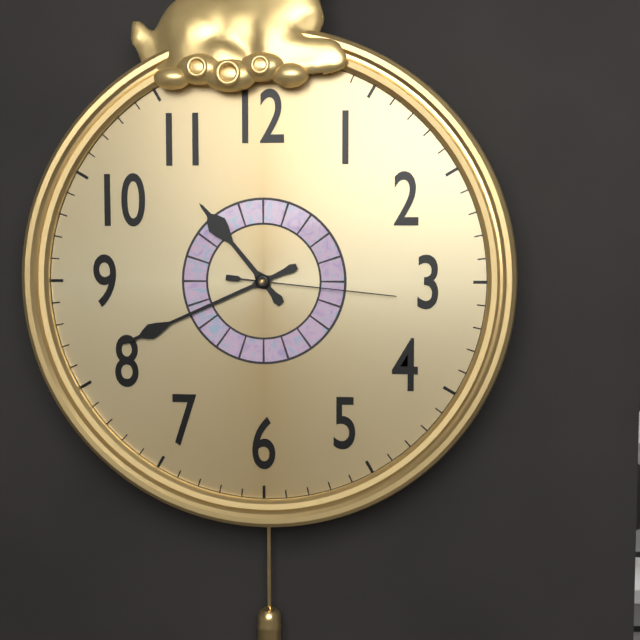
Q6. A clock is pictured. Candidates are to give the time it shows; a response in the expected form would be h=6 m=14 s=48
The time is h=10 m=41 s=16
